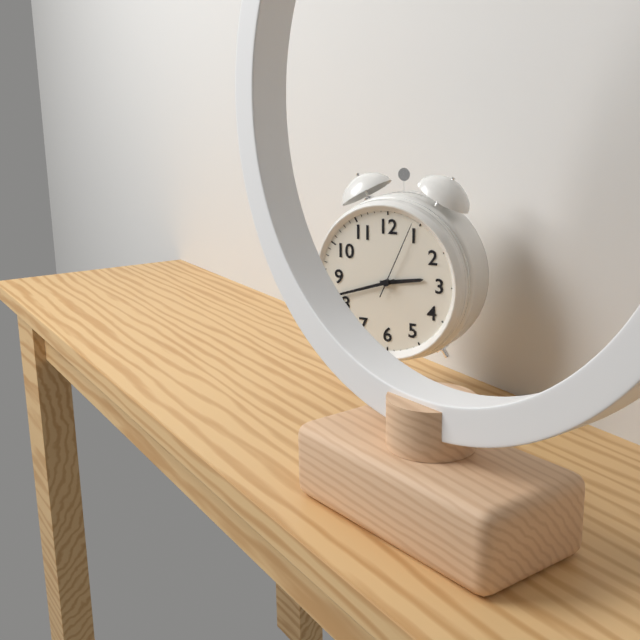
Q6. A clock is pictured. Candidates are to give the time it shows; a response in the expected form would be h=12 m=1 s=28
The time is h=2 m=42 s=4
